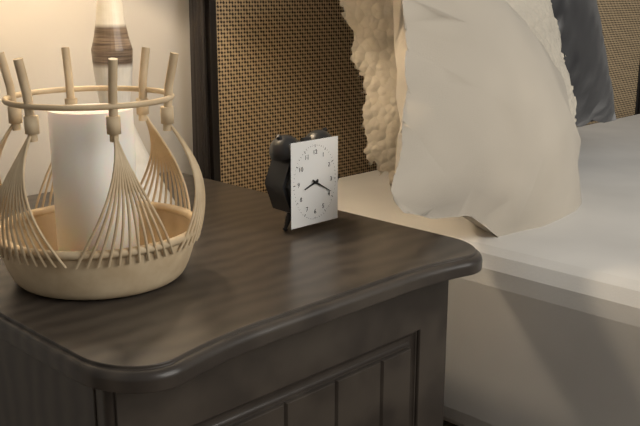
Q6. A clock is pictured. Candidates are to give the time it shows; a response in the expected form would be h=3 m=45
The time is h=8 m=20
